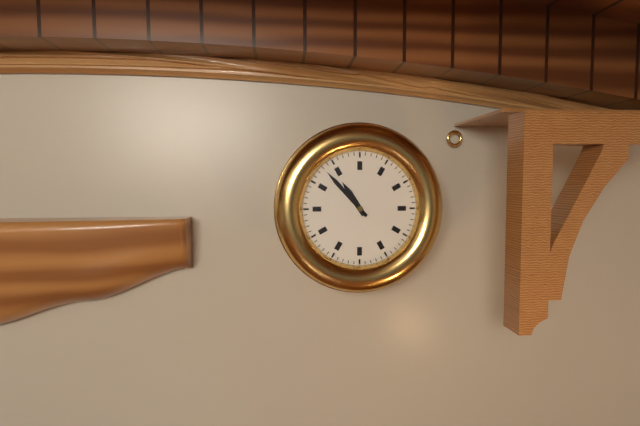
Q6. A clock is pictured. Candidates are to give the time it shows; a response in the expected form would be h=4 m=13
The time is h=10 m=53
